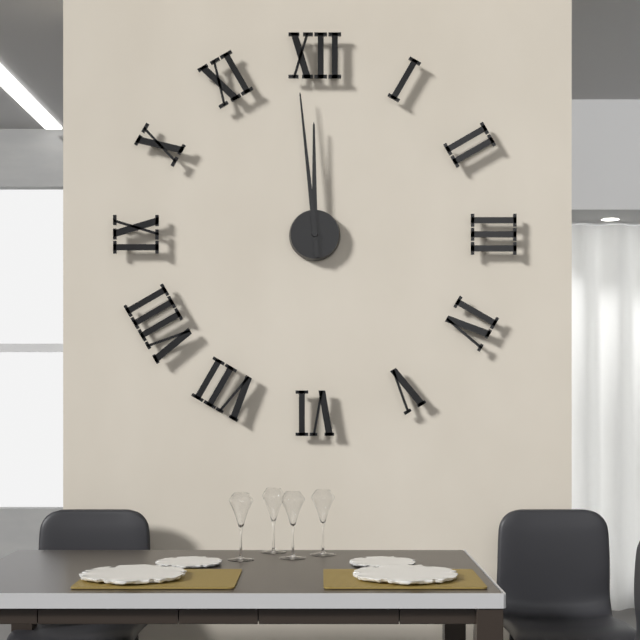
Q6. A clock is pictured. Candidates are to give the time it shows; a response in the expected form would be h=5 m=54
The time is h=11 m=59
